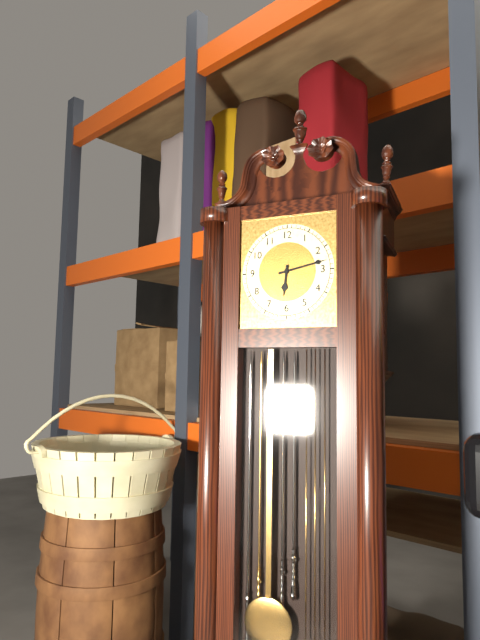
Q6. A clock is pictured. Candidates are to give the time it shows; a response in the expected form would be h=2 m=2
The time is h=6 m=13
